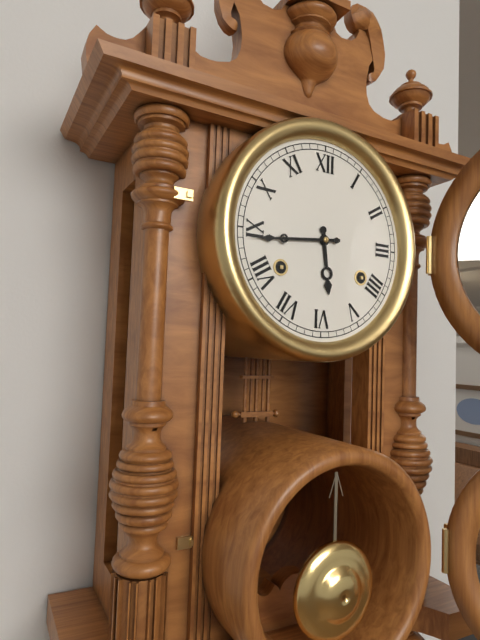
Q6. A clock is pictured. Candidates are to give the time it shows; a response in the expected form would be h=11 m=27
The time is h=5 m=44
